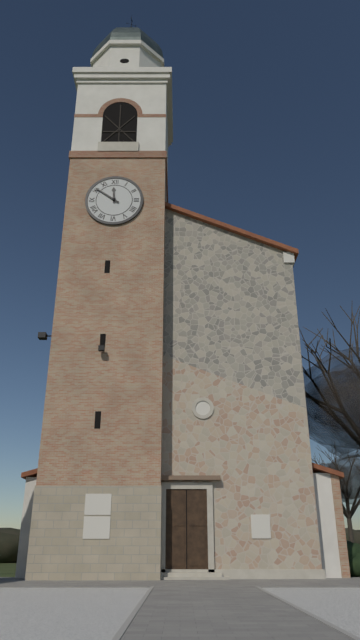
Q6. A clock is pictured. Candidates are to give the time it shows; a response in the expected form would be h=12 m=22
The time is h=11 m=51
